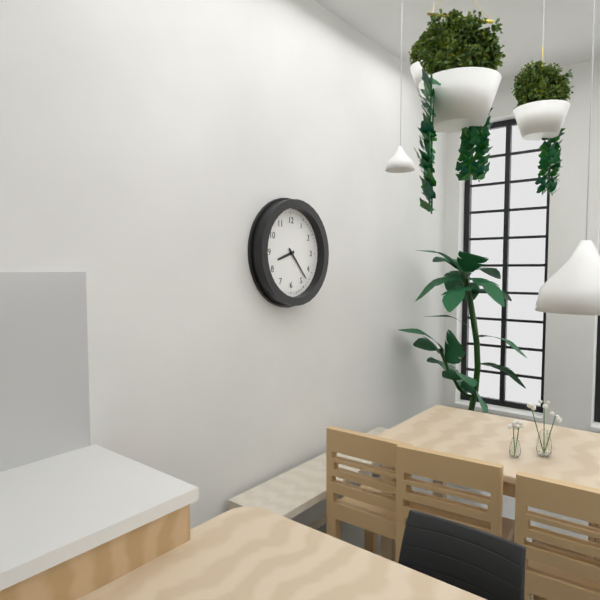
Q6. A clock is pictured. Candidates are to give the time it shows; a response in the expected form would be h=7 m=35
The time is h=8 m=23
